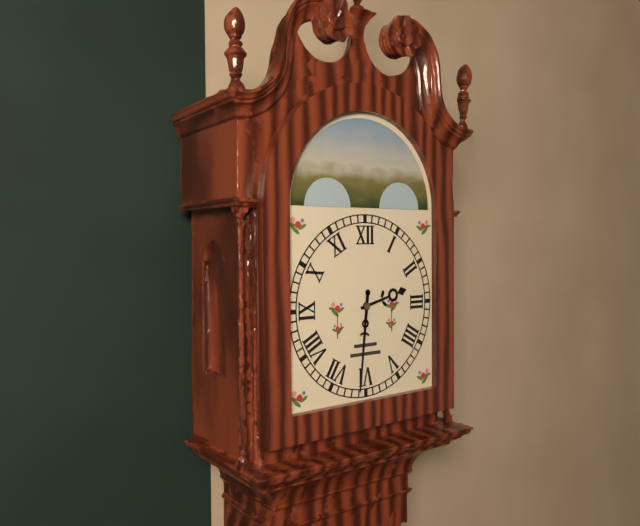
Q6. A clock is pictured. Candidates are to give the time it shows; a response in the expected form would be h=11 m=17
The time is h=2 m=31
